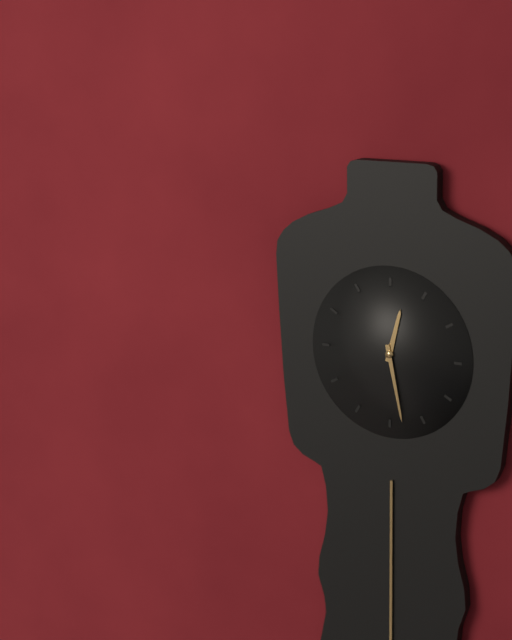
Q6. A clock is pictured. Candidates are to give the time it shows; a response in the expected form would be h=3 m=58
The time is h=12 m=28
